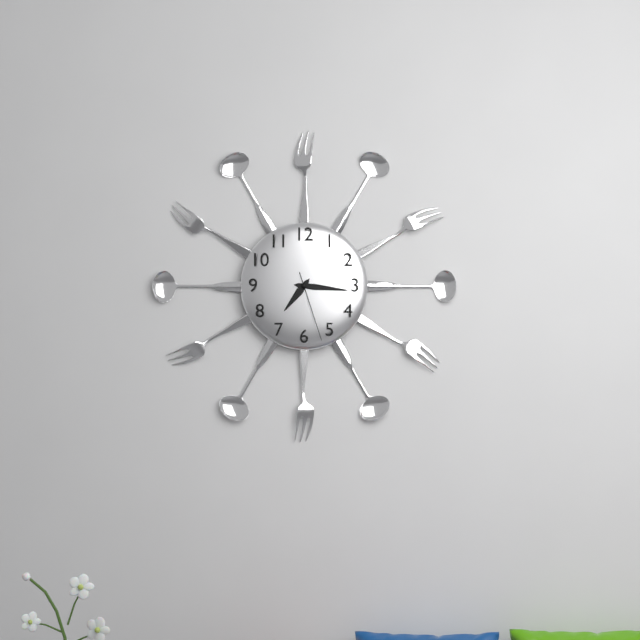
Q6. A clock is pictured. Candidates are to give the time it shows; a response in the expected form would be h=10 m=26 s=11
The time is h=7 m=16 s=27
